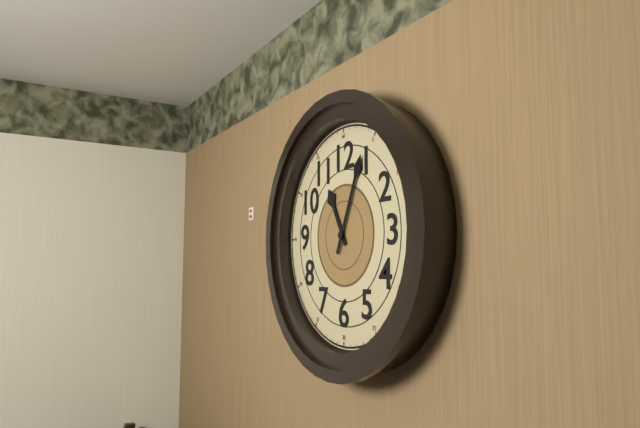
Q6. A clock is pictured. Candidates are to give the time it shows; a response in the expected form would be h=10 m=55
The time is h=11 m=4
